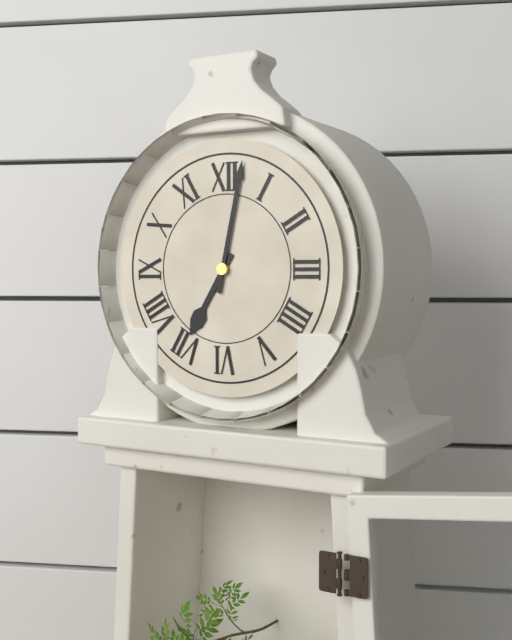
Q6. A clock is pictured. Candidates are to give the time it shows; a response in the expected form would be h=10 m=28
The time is h=7 m=2
